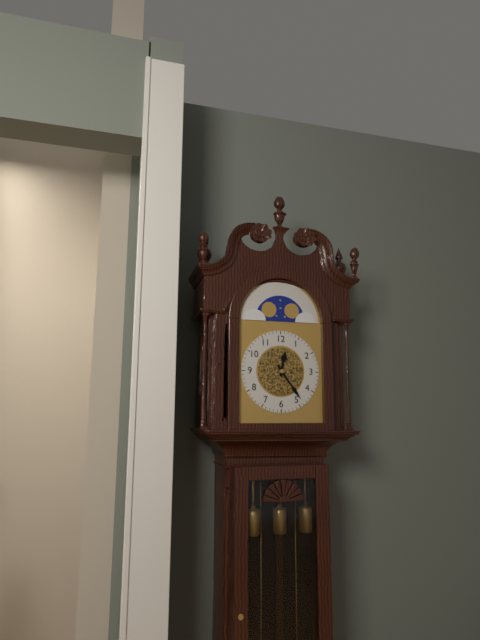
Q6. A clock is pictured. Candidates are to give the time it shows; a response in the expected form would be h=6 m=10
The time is h=12 m=24
